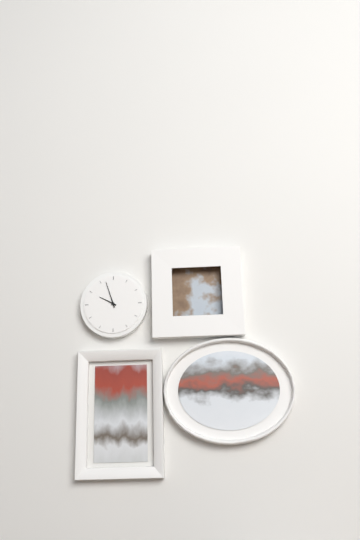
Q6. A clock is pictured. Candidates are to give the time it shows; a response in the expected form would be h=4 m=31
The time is h=9 m=57
